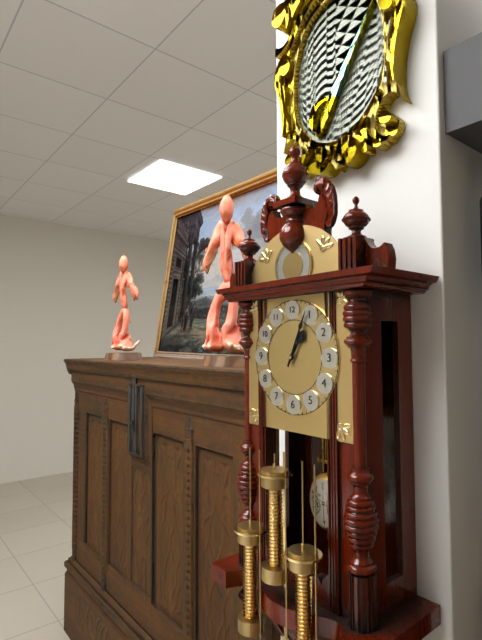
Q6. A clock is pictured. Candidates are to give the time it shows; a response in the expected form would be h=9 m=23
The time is h=1 m=4
